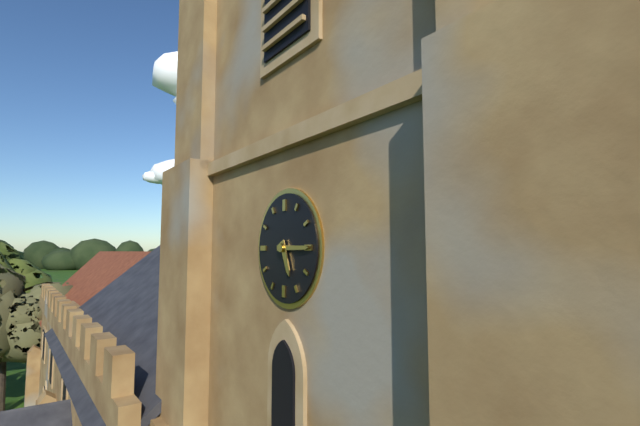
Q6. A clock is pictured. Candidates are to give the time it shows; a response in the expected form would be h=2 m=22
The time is h=5 m=15
